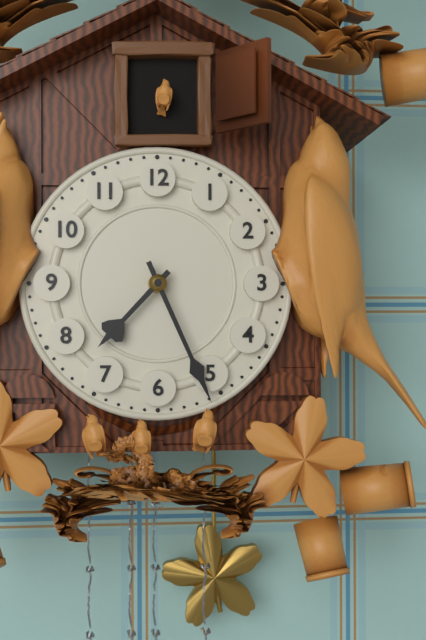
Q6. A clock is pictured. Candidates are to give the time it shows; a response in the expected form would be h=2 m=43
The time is h=7 m=26
